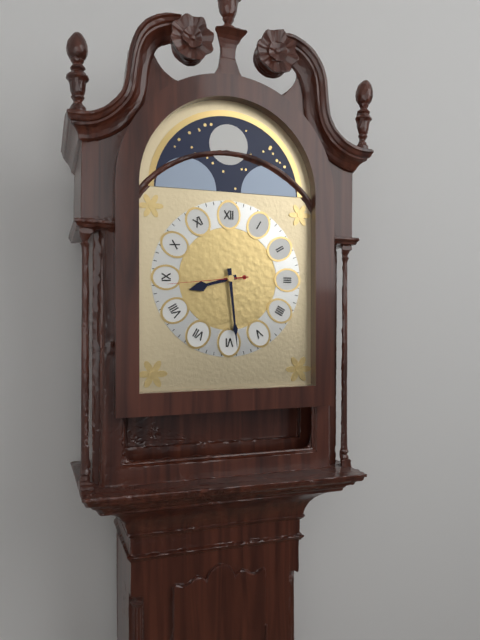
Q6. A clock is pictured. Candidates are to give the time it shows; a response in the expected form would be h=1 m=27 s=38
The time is h=8 m=29 s=44
